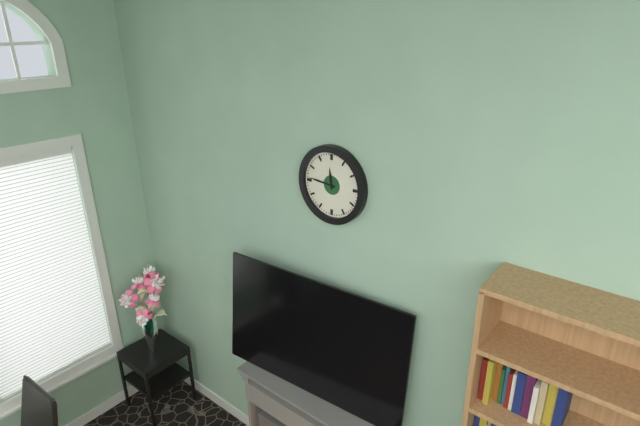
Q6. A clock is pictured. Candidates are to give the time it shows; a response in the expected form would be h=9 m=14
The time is h=11 m=46
